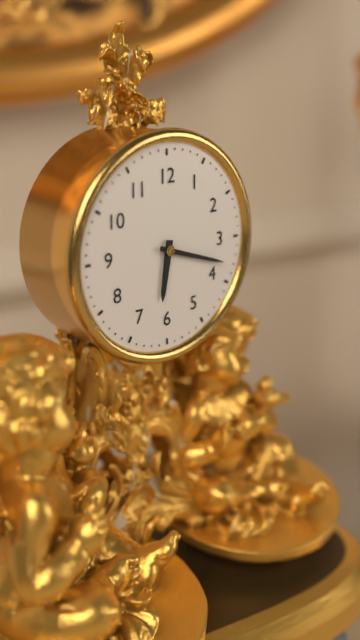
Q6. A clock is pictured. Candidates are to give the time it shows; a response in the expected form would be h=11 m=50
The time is h=6 m=18
